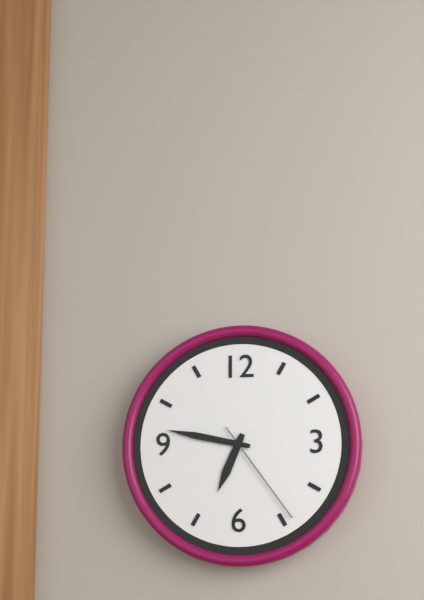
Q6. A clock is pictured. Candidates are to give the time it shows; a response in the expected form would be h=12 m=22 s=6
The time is h=6 m=47 s=24
